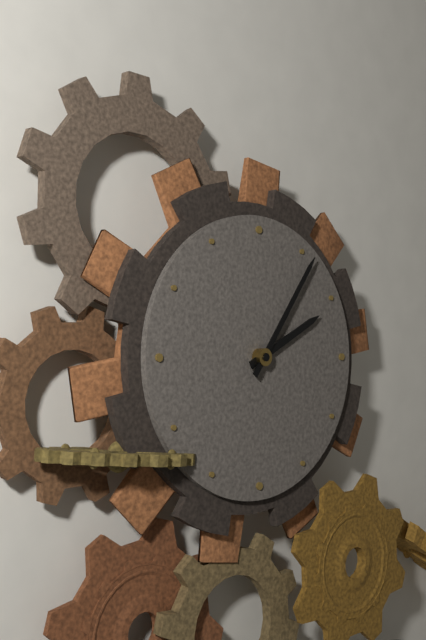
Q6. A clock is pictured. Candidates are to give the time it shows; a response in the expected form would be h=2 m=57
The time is h=2 m=6
